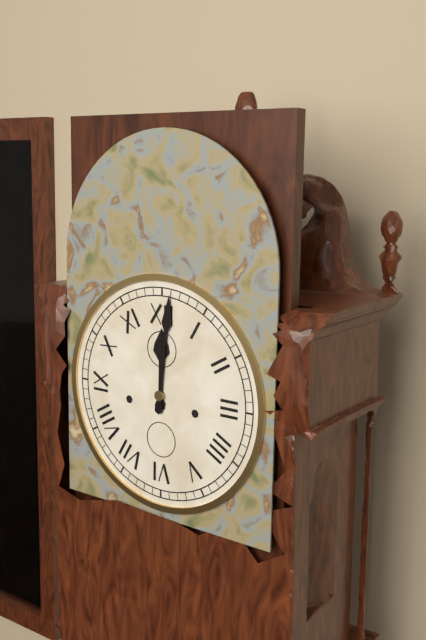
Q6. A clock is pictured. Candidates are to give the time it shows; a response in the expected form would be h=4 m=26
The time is h=12 m=1
